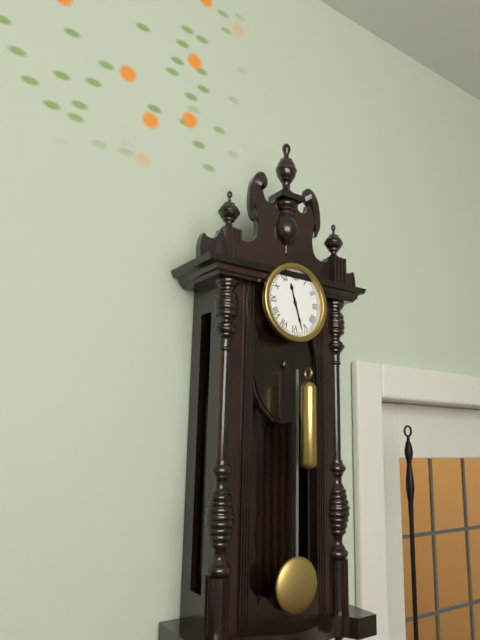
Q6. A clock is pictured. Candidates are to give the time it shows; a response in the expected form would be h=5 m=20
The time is h=11 m=27
